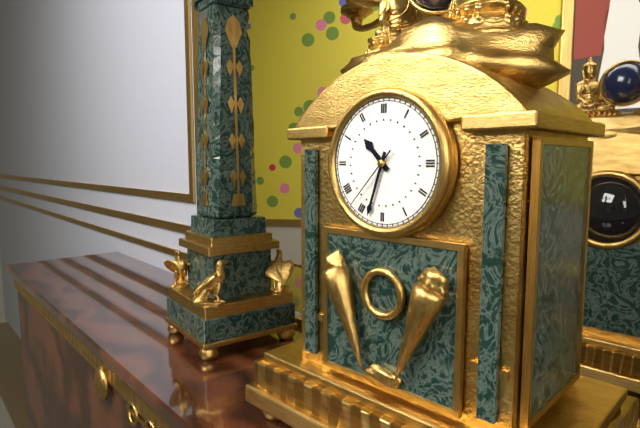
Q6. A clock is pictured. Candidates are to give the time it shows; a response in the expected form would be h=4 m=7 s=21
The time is h=10 m=33 s=37
